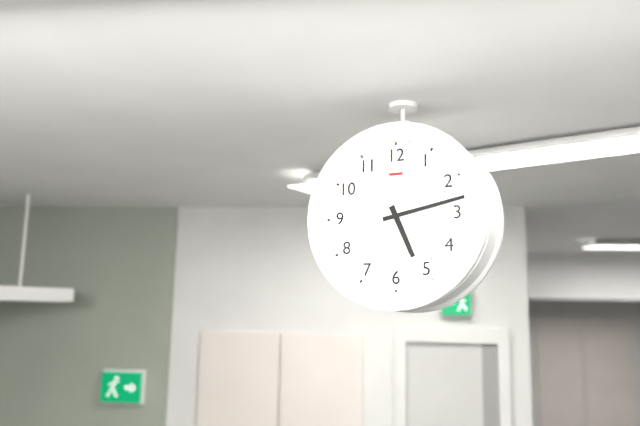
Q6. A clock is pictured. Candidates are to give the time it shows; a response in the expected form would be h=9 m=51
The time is h=5 m=13
